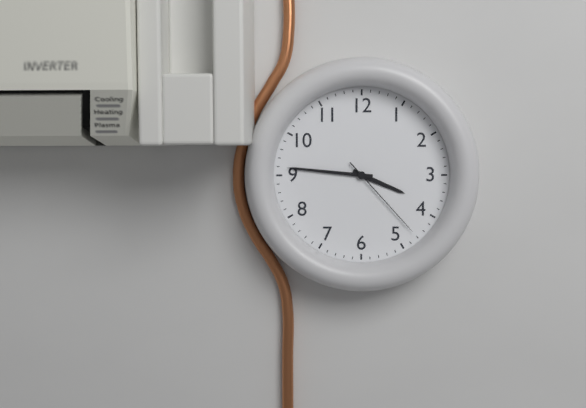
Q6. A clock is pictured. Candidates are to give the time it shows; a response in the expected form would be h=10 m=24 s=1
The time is h=3 m=46 s=23
